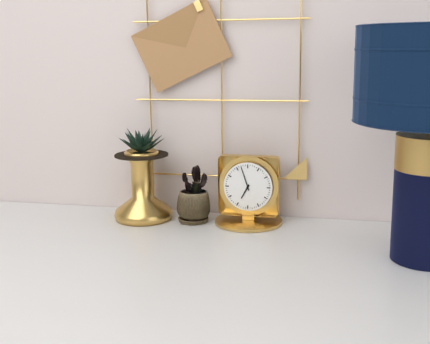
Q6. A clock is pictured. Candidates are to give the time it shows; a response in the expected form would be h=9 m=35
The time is h=6 m=57
